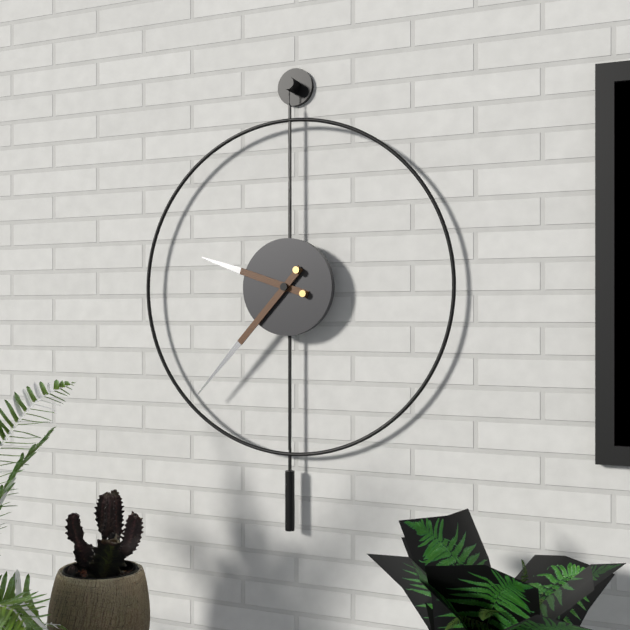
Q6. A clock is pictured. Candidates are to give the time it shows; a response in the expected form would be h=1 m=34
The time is h=9 m=37
